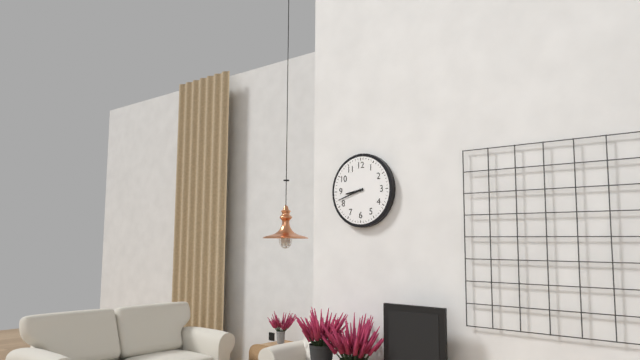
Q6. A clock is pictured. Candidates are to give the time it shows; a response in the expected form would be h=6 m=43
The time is h=8 m=42
